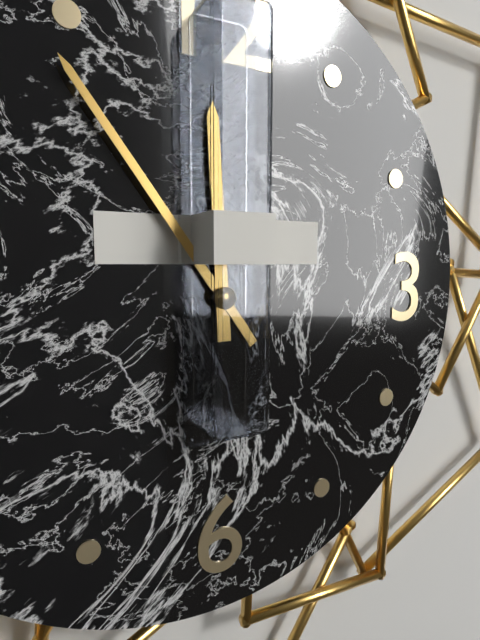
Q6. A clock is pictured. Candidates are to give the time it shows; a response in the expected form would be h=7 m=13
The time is h=11 m=54
